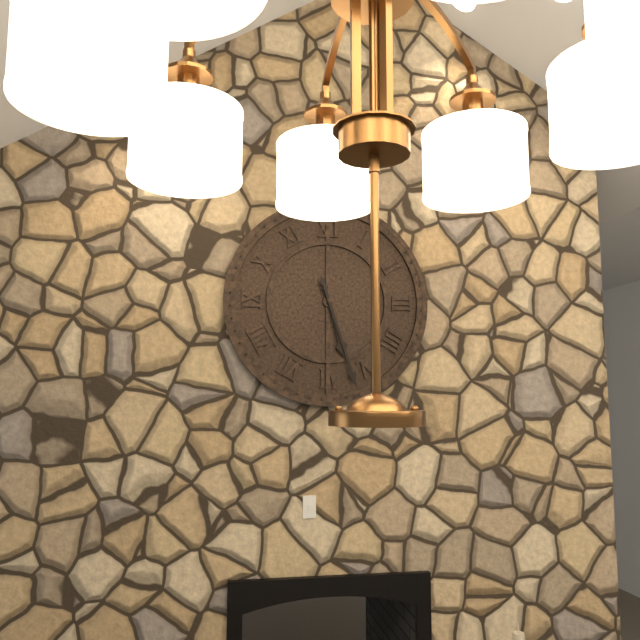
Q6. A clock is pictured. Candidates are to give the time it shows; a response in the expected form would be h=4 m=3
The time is h=5 m=27
